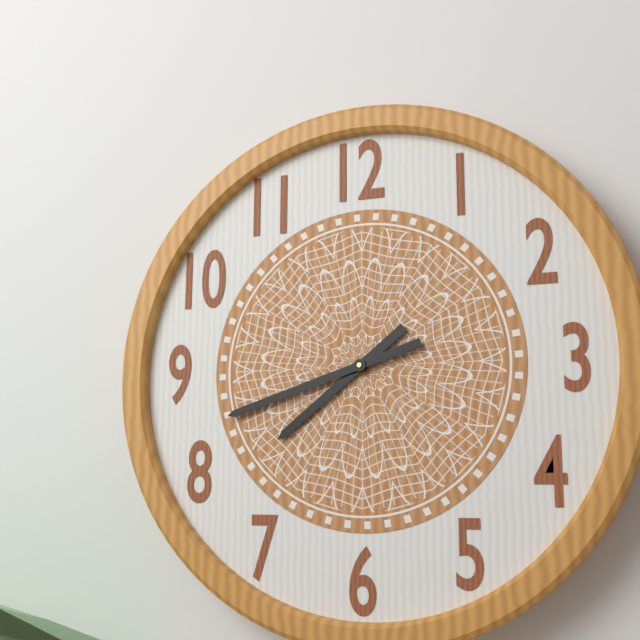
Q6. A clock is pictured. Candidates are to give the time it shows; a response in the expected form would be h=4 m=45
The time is h=7 m=42
